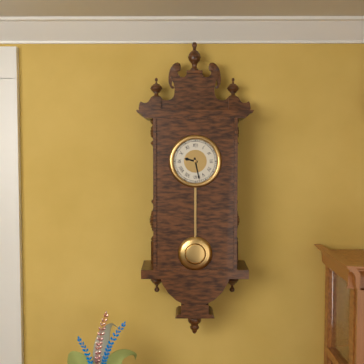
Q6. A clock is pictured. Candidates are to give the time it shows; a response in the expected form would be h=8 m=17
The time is h=9 m=28
